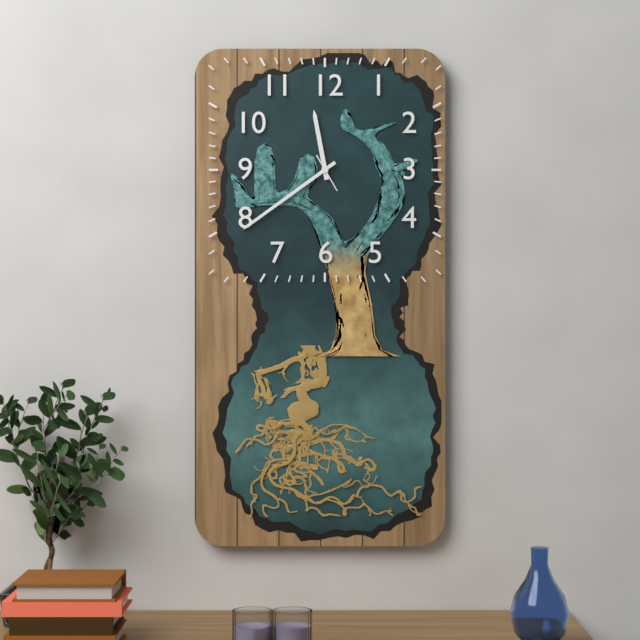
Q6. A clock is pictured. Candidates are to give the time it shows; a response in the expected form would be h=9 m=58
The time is h=11 m=39
